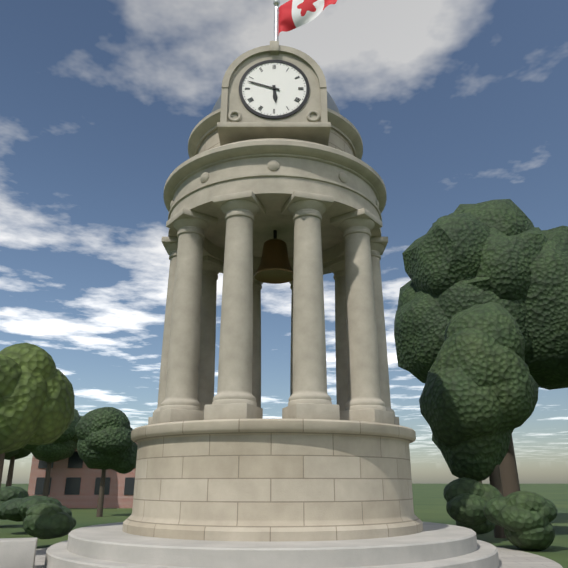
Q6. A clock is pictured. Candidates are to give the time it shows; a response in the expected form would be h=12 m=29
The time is h=5 m=48
